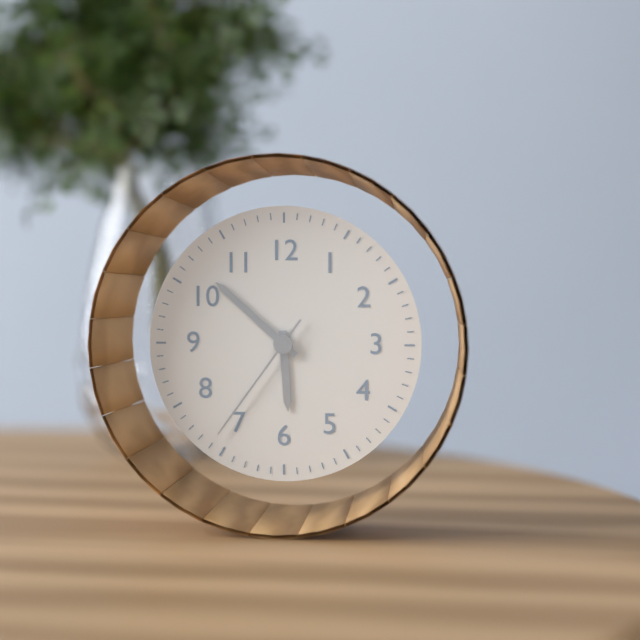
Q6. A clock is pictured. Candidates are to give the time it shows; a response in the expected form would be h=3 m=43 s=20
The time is h=5 m=52 s=36
